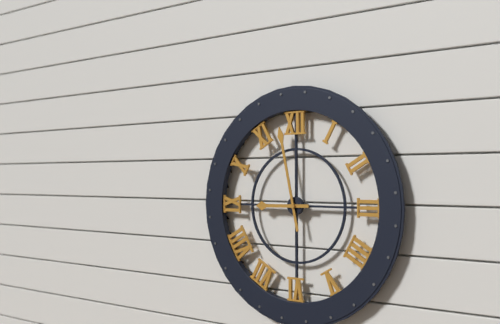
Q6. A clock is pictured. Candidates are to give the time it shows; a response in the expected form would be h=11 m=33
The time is h=8 m=58
